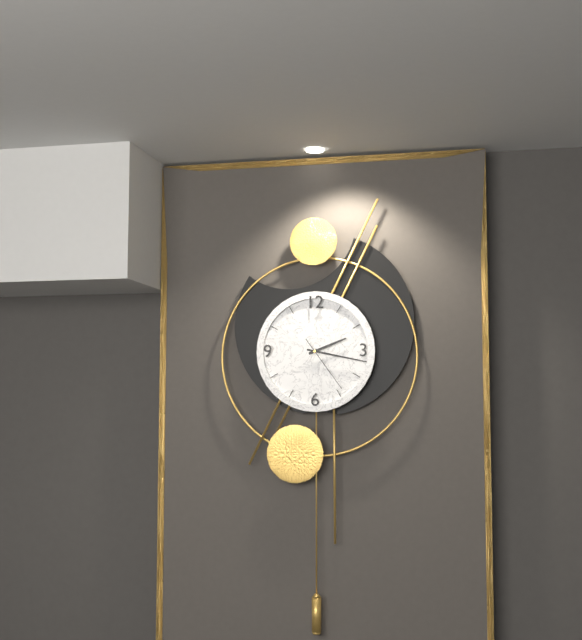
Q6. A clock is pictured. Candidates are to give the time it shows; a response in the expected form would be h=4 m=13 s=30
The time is h=2 m=17 s=24
